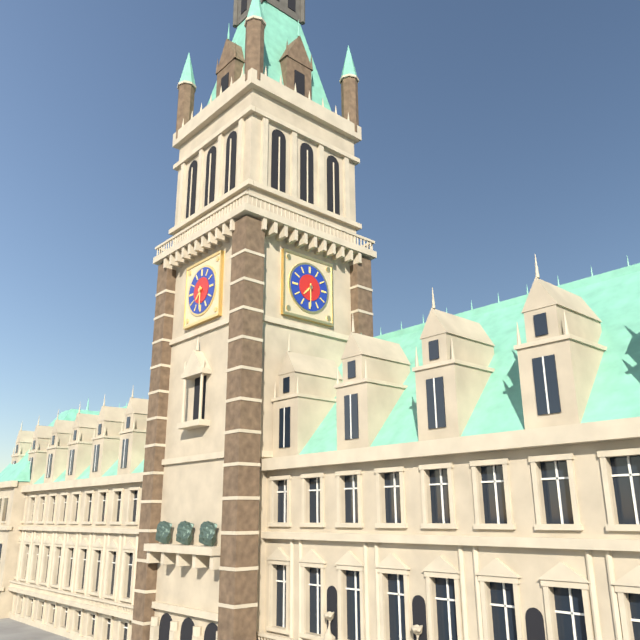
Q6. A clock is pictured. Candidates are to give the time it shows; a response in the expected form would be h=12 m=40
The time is h=7 m=30
